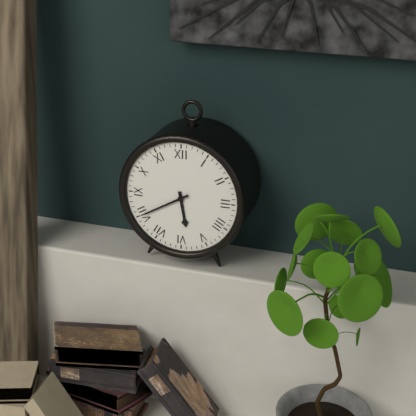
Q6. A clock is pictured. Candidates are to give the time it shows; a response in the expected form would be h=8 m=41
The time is h=5 m=40
